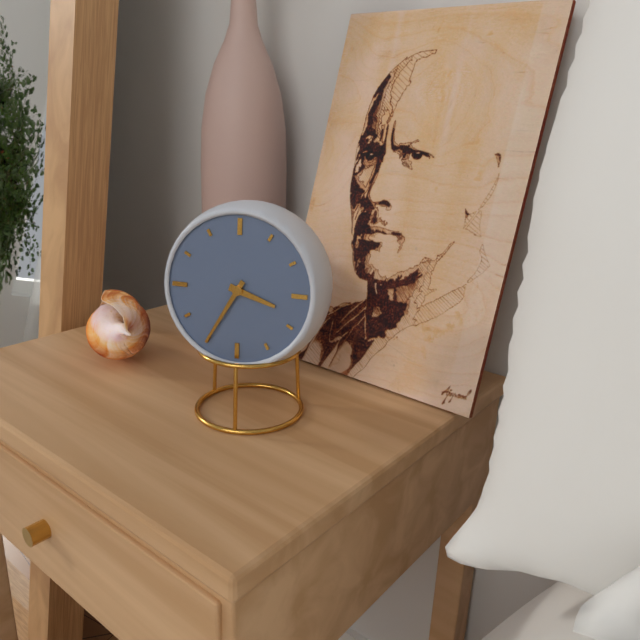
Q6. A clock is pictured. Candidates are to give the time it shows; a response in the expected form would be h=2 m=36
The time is h=3 m=35
